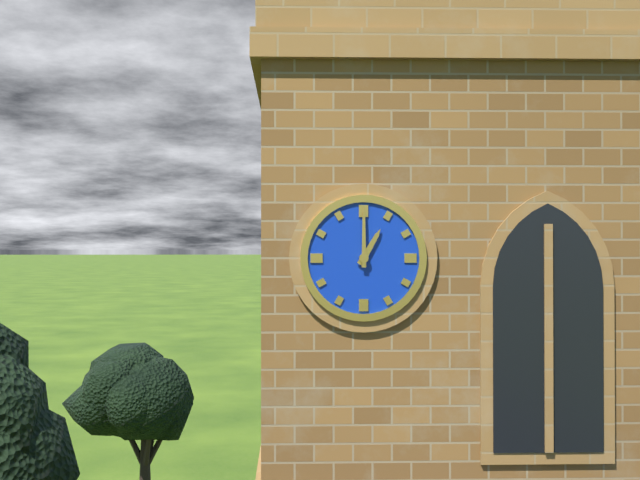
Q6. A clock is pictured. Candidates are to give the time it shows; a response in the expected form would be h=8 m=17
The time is h=1 m=0
